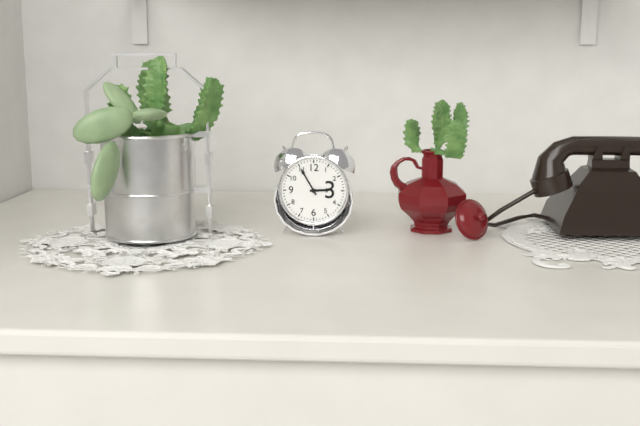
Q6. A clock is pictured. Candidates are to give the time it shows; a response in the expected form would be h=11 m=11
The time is h=2 m=55
